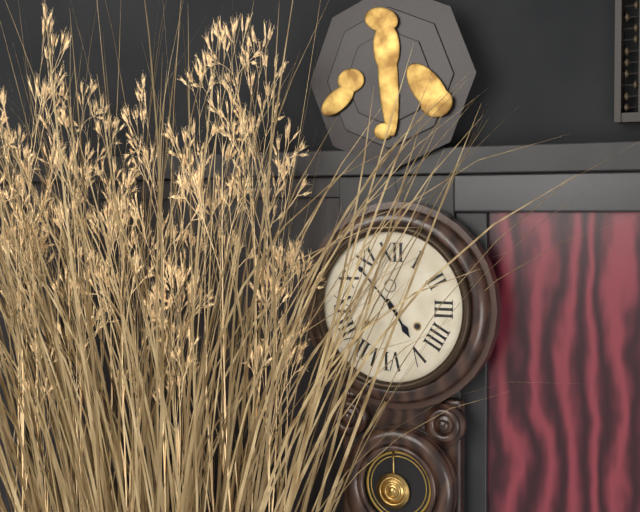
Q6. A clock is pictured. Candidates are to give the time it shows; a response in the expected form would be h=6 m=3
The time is h=4 m=53
